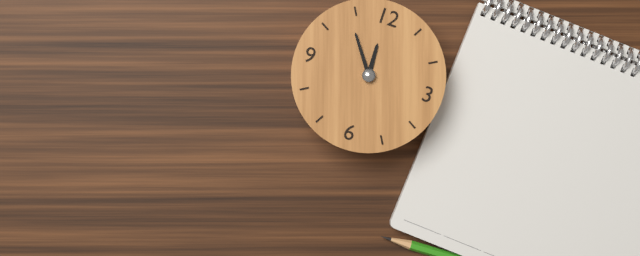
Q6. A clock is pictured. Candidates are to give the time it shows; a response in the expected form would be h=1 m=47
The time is h=11 m=54
